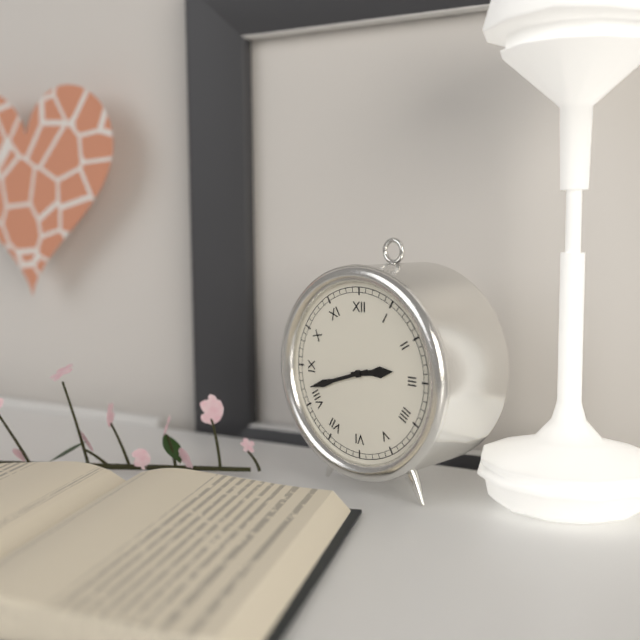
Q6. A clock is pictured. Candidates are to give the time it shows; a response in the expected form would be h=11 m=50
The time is h=2 m=42
